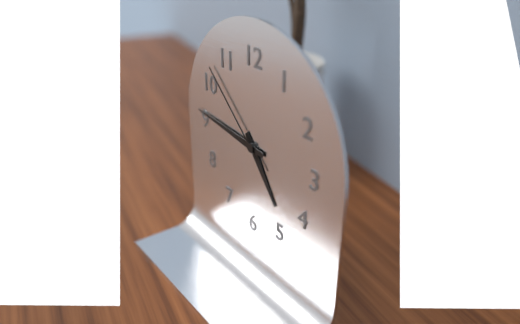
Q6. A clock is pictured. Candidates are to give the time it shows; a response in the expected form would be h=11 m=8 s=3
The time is h=4 m=46 s=52
